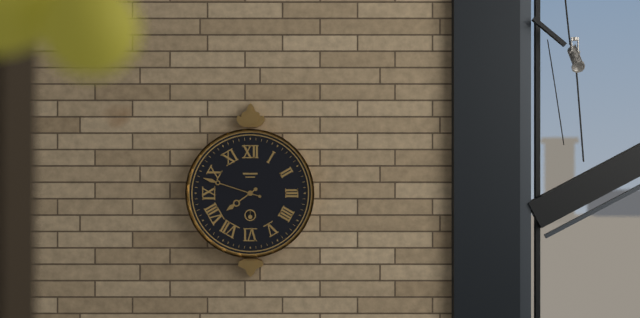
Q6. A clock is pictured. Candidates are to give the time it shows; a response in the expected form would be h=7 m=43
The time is h=7 m=48
